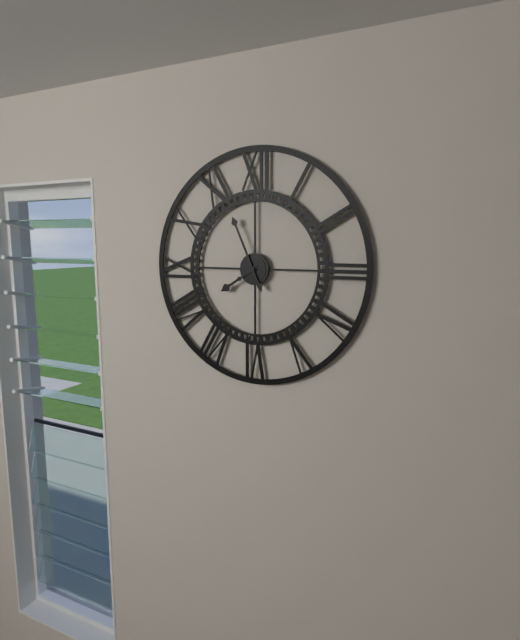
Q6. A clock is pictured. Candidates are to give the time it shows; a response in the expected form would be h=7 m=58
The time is h=7 m=56
